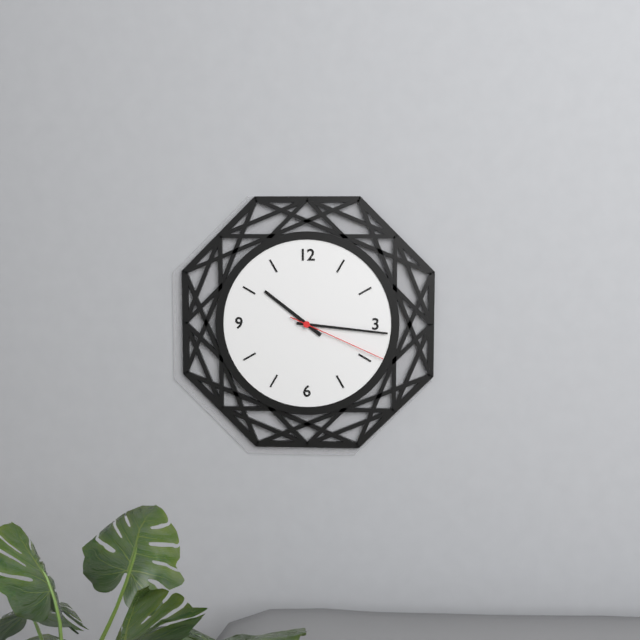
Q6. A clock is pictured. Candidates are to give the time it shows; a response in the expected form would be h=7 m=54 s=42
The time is h=10 m=16 s=19
